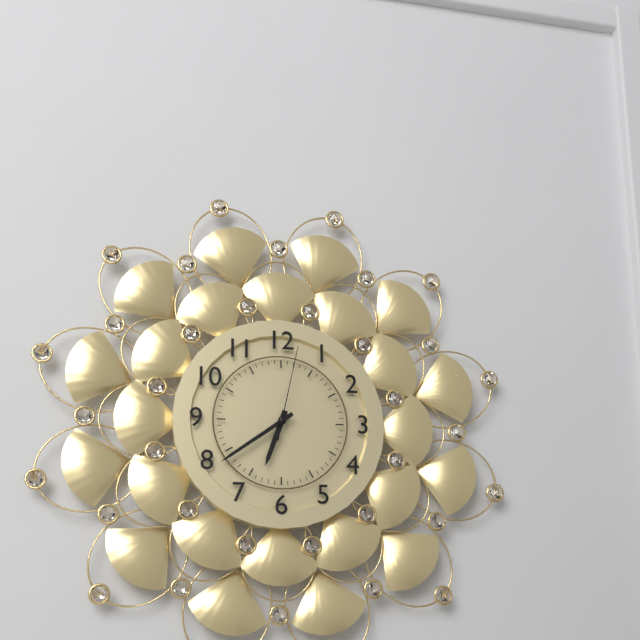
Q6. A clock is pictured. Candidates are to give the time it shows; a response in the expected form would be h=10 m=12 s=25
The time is h=6 m=39 s=2
